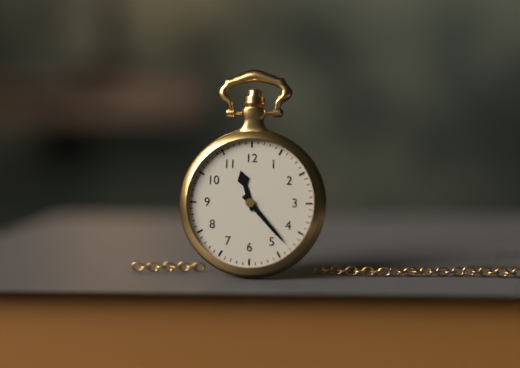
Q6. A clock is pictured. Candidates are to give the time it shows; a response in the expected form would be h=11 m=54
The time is h=11 m=23
